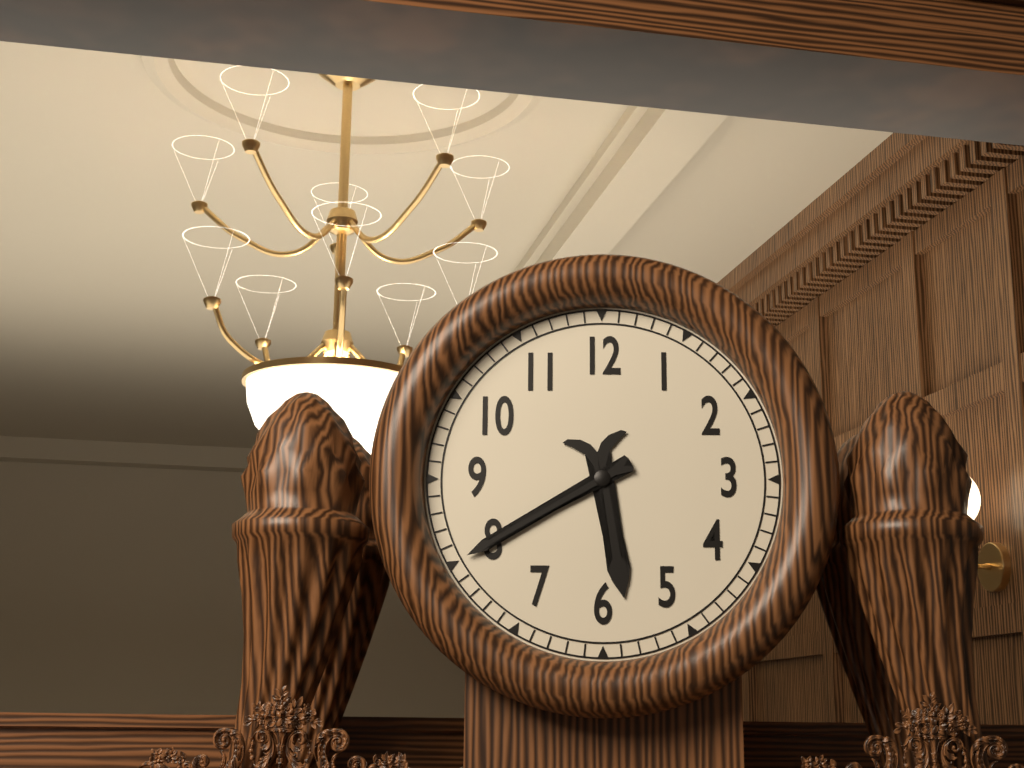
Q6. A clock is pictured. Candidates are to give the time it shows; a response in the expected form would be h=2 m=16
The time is h=5 m=40
